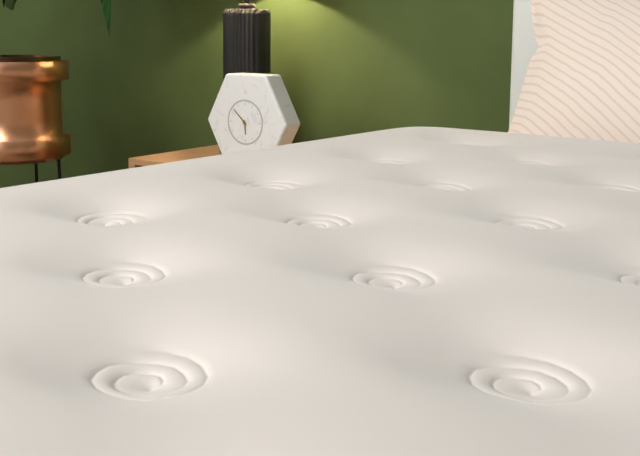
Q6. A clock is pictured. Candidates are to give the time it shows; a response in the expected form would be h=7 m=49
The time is h=5 m=52
